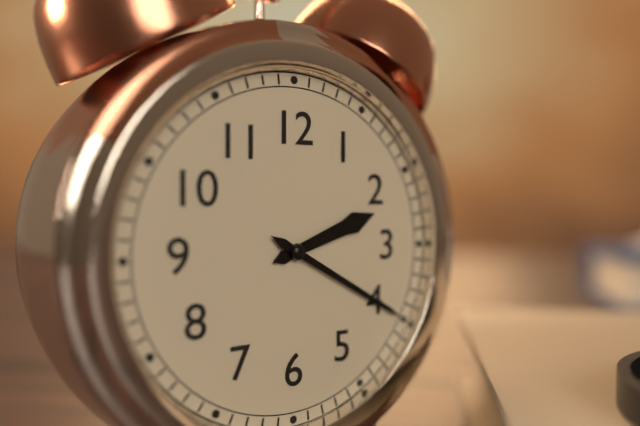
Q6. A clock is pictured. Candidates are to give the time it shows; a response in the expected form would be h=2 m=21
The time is h=2 m=20
